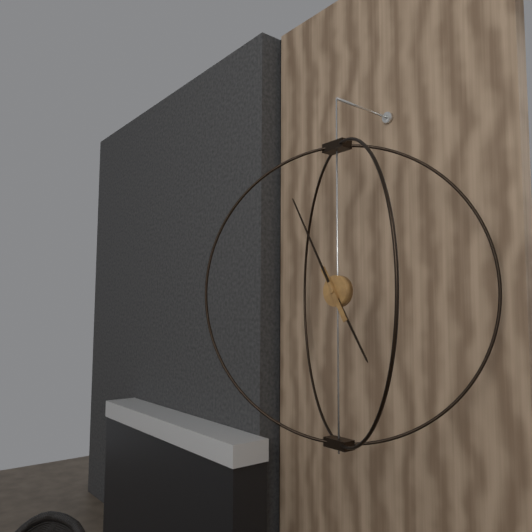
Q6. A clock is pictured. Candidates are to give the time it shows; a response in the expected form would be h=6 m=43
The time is h=4 m=55
